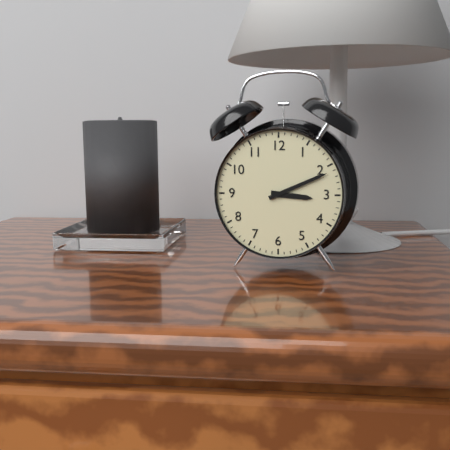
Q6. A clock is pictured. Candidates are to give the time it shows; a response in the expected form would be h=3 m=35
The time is h=3 m=11
